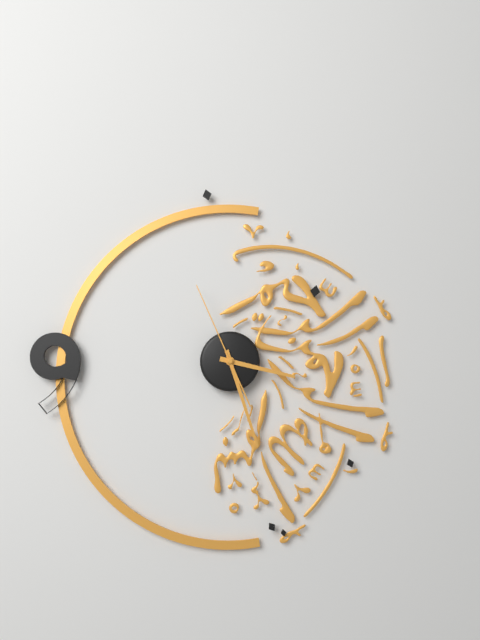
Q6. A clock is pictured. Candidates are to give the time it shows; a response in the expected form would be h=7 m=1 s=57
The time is h=3 m=27 s=56
